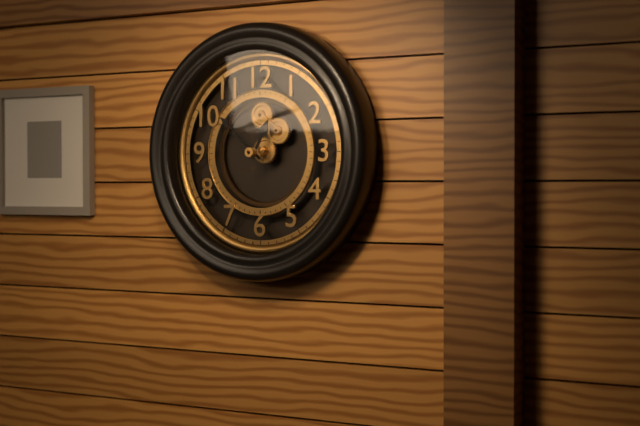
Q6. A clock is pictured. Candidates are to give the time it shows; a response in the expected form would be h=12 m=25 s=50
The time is h=12 m=52 s=51
